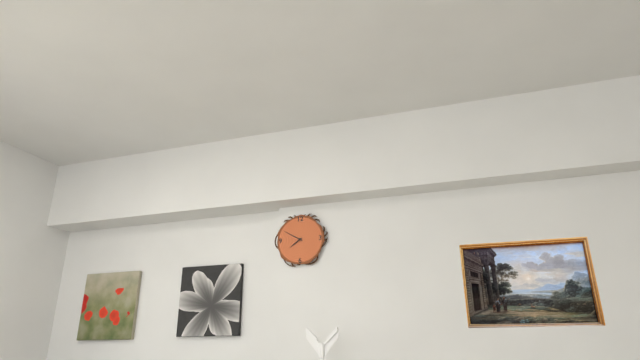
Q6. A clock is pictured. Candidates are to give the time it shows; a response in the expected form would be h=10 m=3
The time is h=7 m=50
